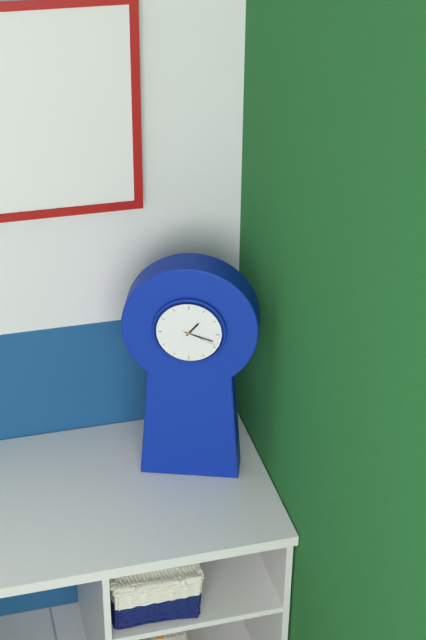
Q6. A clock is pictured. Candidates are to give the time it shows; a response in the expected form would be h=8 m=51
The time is h=1 m=18
